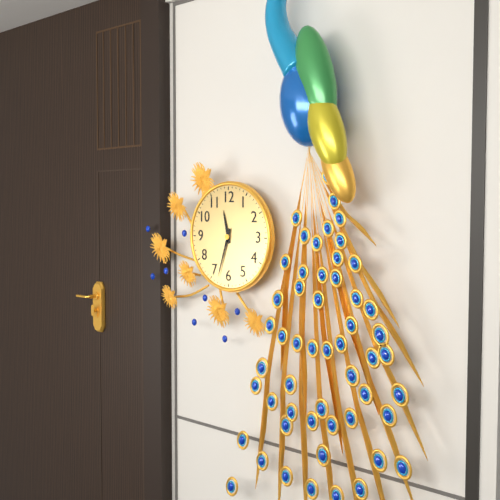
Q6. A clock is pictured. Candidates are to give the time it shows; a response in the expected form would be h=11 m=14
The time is h=11 m=33
